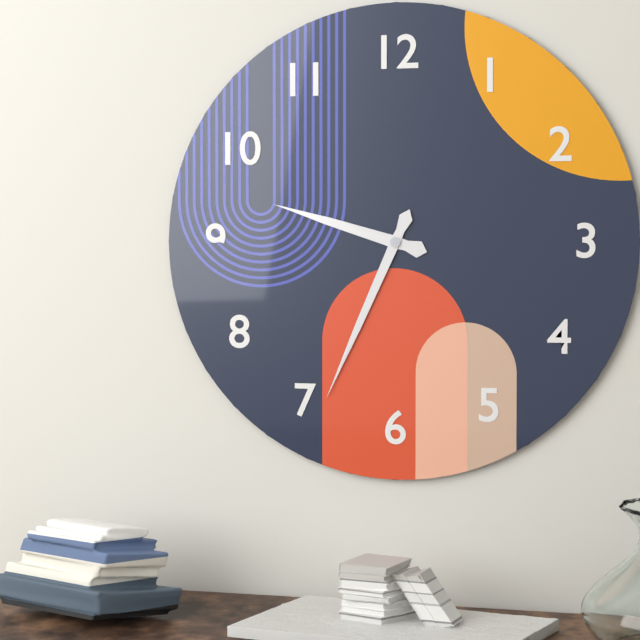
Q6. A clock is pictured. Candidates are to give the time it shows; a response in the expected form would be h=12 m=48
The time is h=9 m=34
